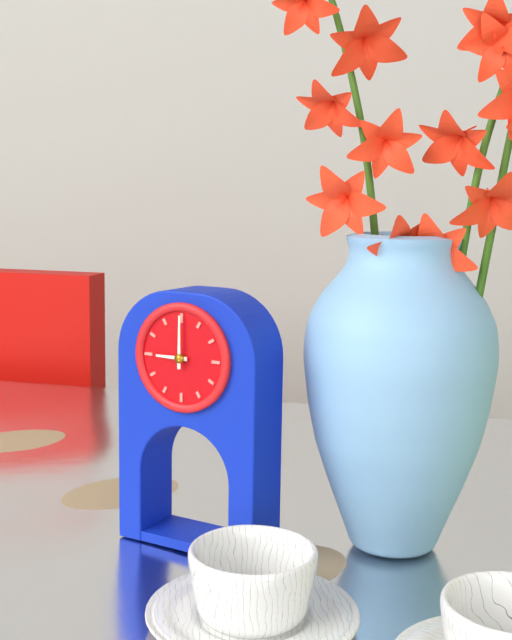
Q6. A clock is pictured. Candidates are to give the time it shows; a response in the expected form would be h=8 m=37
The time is h=9 m=0
